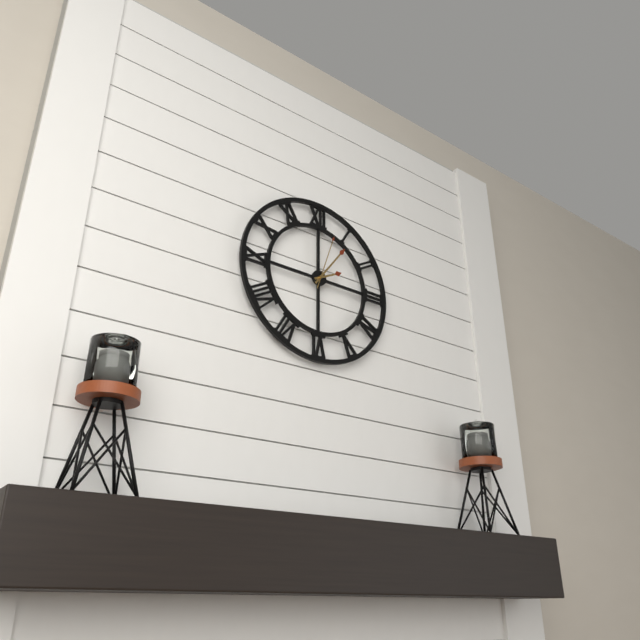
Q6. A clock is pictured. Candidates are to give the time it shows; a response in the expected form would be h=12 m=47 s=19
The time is h=2 m=6 s=3
